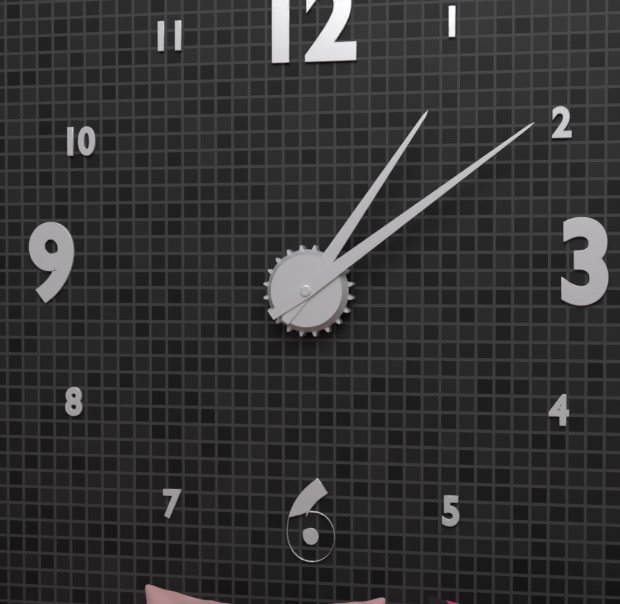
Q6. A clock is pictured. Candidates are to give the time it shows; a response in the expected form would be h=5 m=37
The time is h=1 m=9
